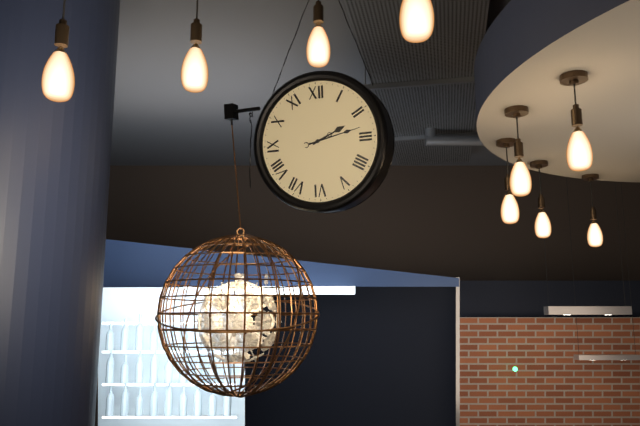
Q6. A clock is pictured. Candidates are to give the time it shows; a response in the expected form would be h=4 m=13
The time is h=2 m=13
